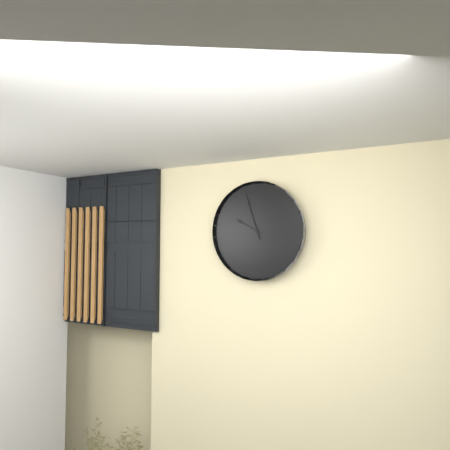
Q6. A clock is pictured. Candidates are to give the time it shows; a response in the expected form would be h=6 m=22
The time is h=9 m=57
